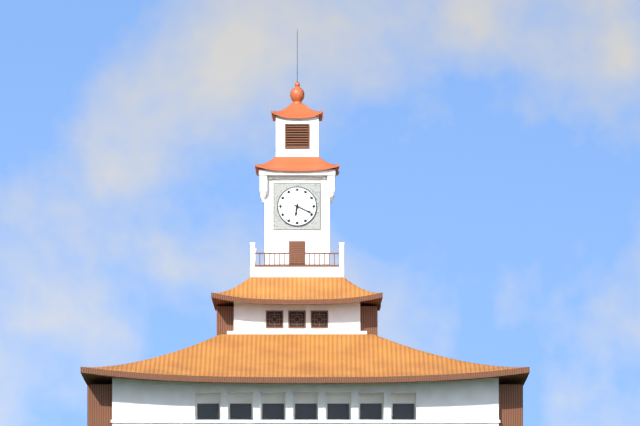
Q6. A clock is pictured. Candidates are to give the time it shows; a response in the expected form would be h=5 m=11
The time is h=6 m=19
